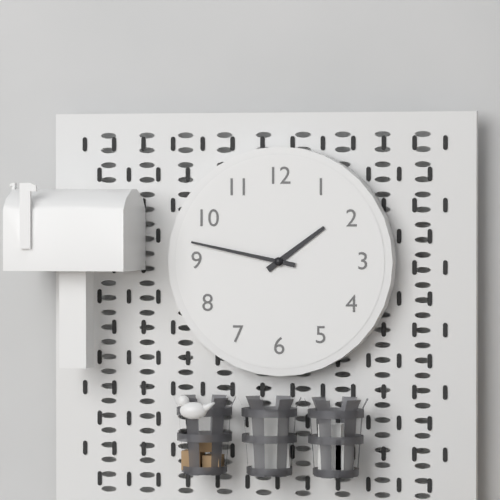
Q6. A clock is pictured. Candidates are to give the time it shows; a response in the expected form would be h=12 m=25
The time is h=1 m=47
